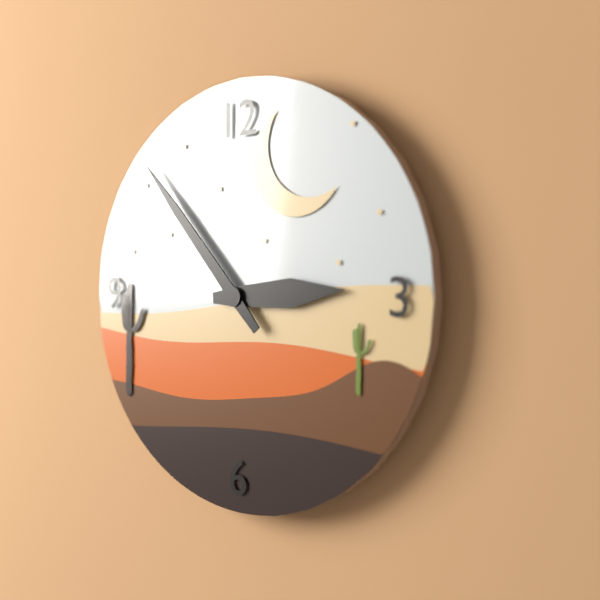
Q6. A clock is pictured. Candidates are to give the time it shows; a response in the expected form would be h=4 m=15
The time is h=2 m=53
